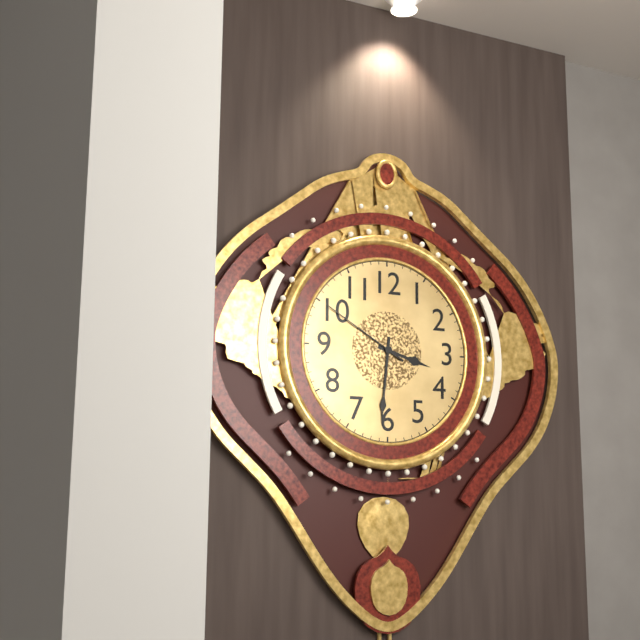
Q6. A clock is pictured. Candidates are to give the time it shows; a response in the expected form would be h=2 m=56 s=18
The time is h=3 m=31 s=50
